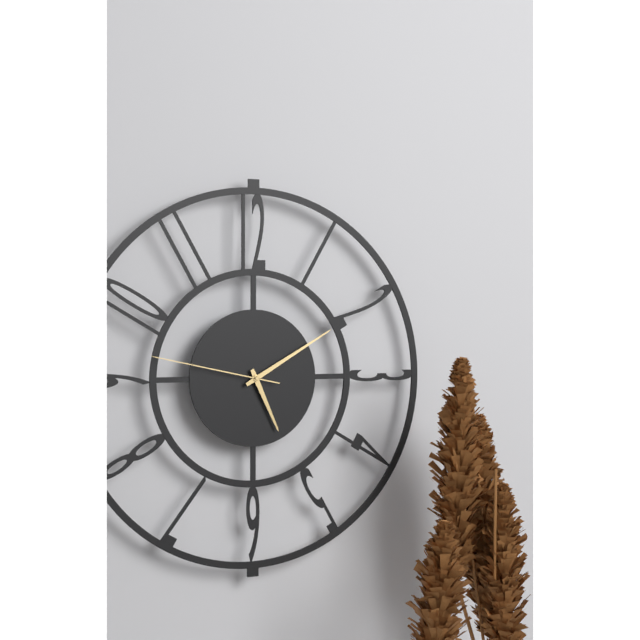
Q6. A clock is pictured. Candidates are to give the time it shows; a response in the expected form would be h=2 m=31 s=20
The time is h=5 m=10 s=47
